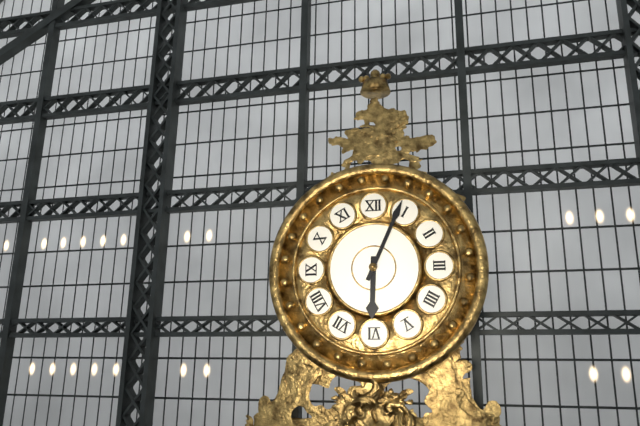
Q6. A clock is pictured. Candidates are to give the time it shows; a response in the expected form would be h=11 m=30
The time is h=6 m=4
